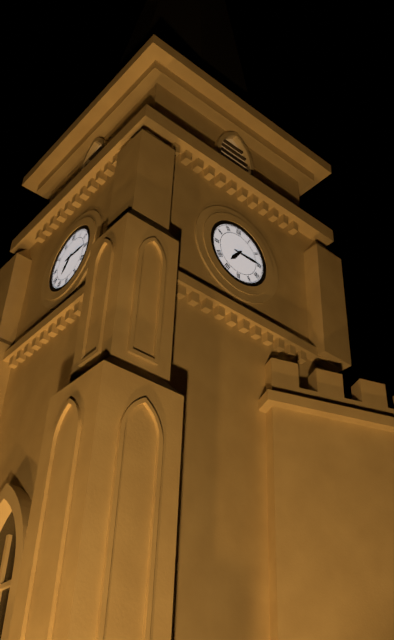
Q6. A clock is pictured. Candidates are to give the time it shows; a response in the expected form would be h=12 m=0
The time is h=7 m=15
